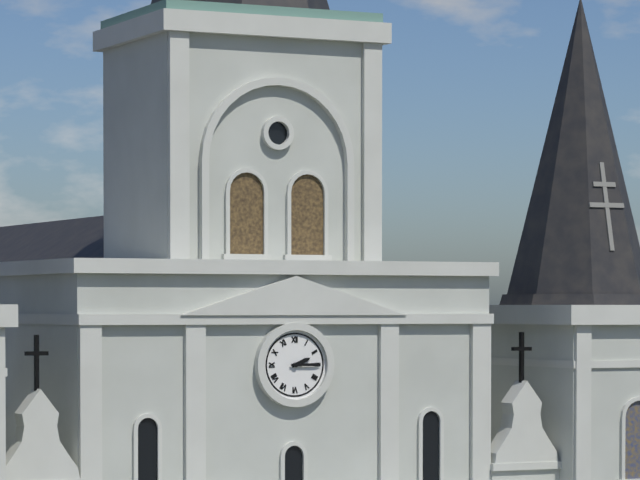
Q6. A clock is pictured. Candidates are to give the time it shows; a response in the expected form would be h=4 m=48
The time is h=2 m=15
